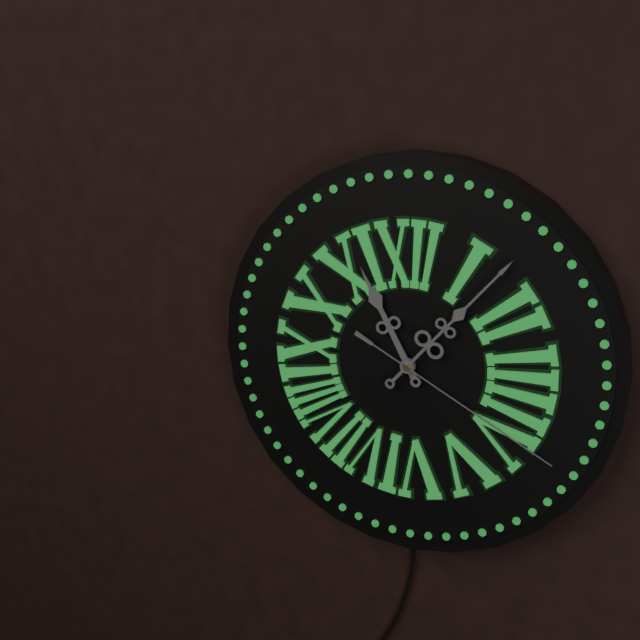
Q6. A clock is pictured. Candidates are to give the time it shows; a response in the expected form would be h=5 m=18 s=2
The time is h=11 m=7 s=20
